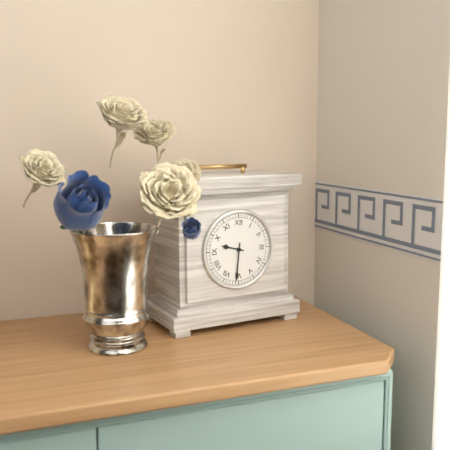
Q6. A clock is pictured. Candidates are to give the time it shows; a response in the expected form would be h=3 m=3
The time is h=9 m=31
